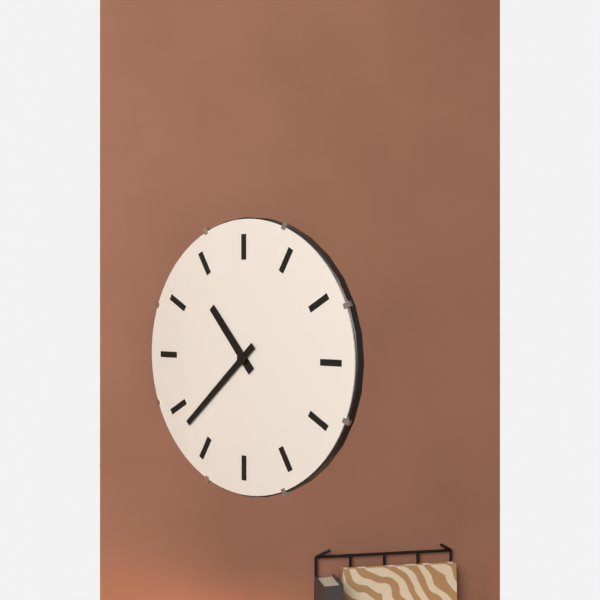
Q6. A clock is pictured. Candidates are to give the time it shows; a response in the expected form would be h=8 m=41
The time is h=10 m=38
